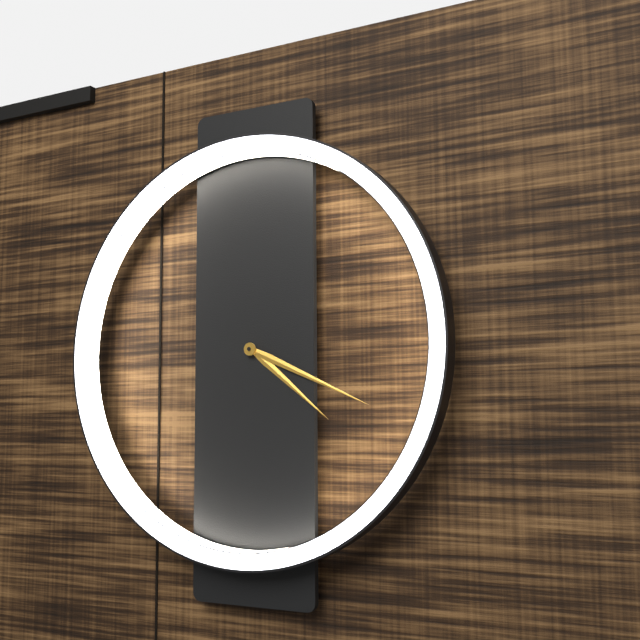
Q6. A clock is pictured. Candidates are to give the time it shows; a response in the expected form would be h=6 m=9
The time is h=4 m=19
